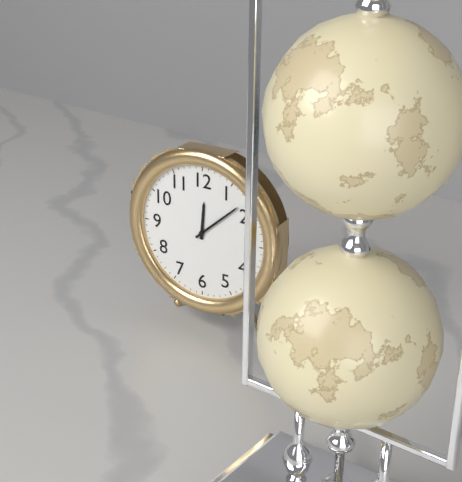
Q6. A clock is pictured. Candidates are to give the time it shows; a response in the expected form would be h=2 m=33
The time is h=12 m=8
